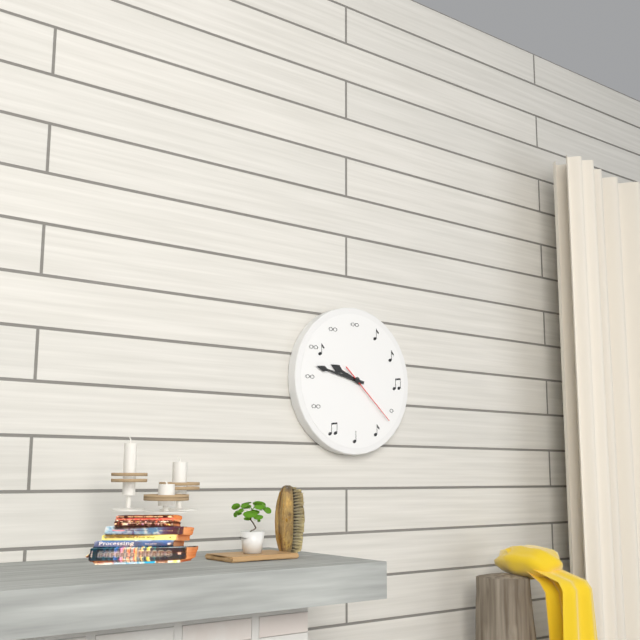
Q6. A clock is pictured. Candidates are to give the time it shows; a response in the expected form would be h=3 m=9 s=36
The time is h=9 m=47 s=22
